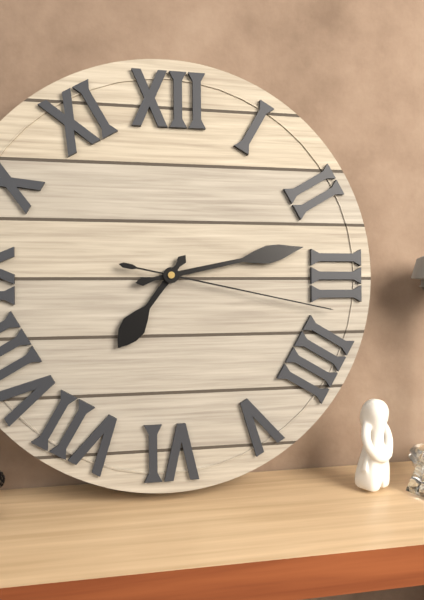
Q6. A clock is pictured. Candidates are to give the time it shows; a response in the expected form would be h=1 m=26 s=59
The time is h=7 m=13 s=17
